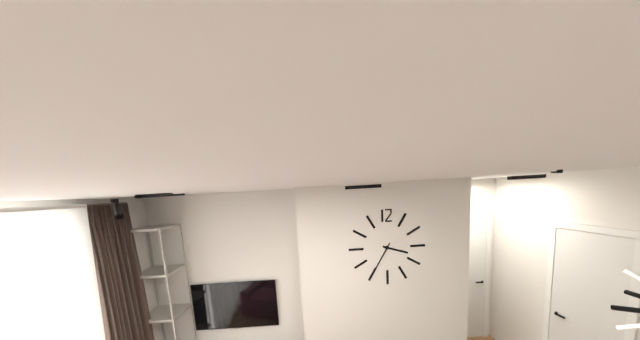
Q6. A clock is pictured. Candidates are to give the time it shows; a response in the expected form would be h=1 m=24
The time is h=3 m=35
